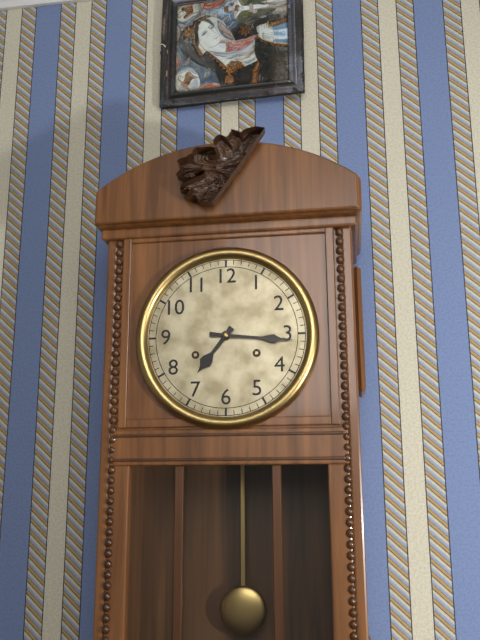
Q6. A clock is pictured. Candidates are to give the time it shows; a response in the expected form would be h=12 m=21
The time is h=7 m=16
